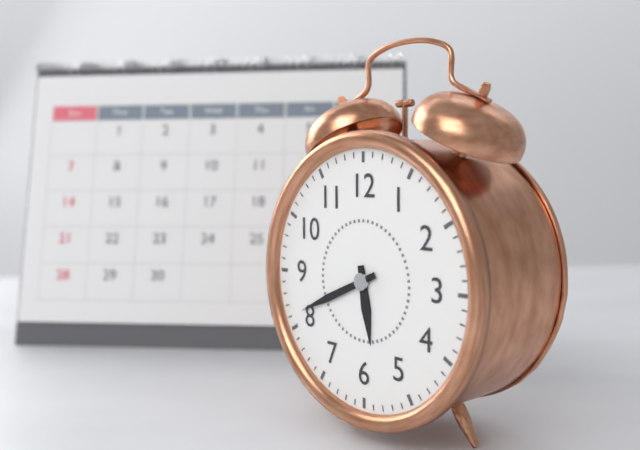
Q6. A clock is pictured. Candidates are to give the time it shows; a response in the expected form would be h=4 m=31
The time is h=5 m=41
